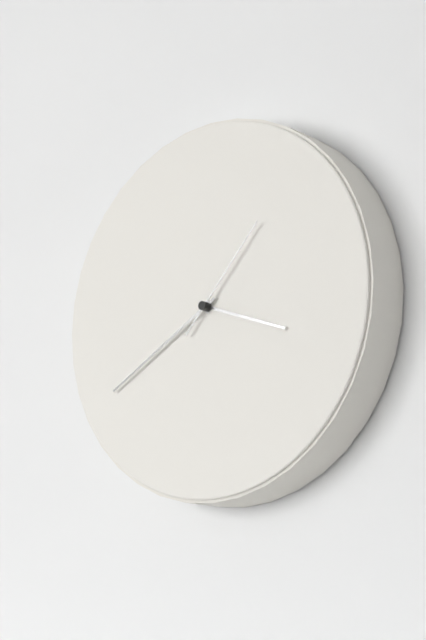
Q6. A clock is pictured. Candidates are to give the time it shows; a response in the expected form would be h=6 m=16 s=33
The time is h=3 m=40 s=7
